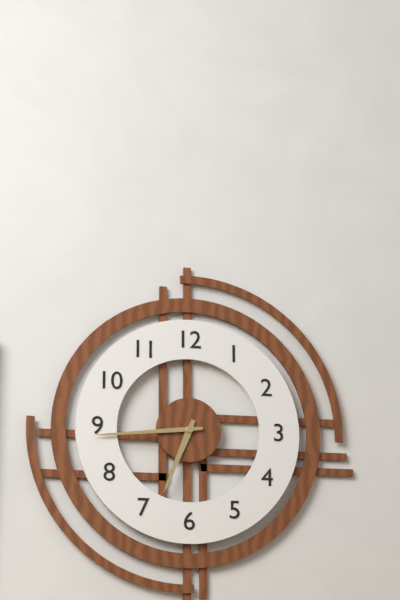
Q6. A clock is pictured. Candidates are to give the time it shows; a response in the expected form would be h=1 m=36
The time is h=6 m=44
